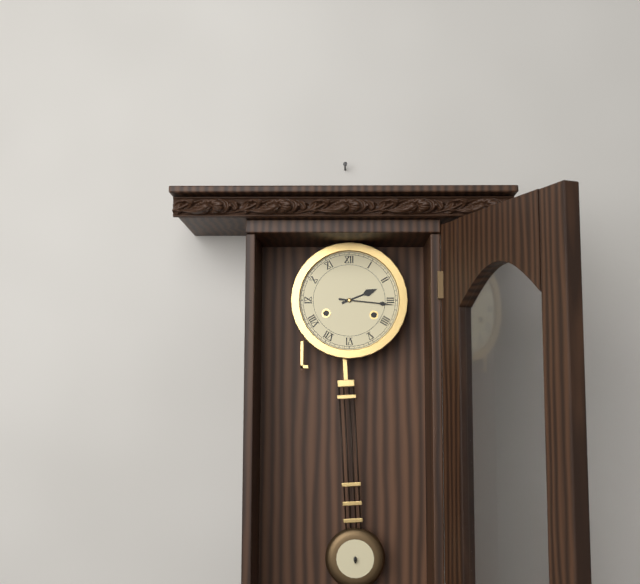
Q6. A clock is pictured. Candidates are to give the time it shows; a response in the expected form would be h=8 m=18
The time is h=2 m=16
